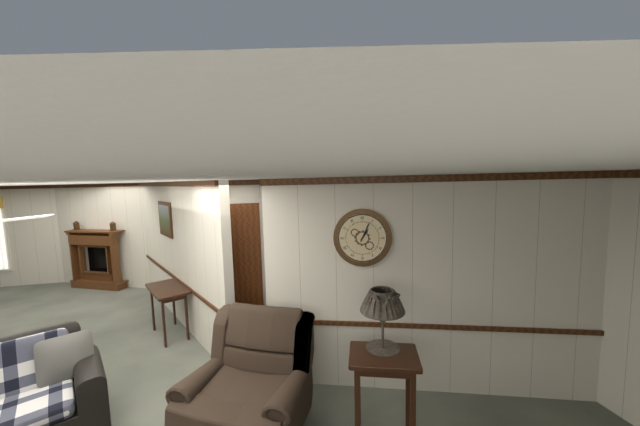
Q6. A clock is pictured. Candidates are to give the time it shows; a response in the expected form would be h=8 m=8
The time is h=1 m=4
